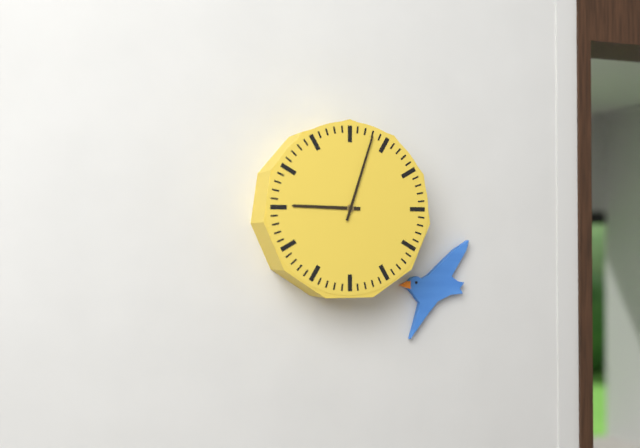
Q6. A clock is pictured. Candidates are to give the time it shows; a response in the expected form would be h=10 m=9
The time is h=9 m=3
